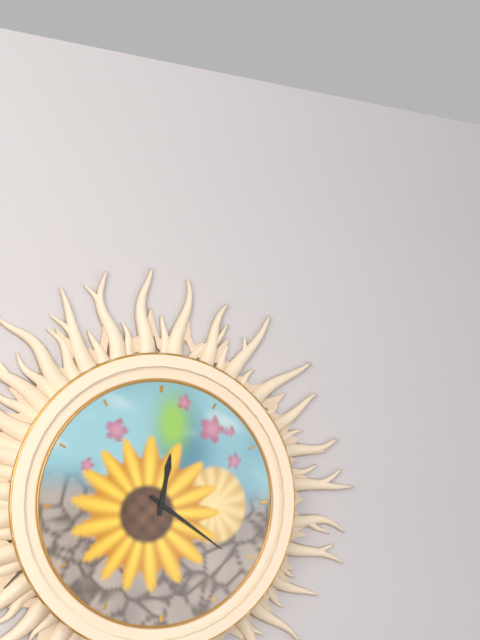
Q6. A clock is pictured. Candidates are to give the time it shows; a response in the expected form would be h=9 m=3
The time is h=12 m=21
